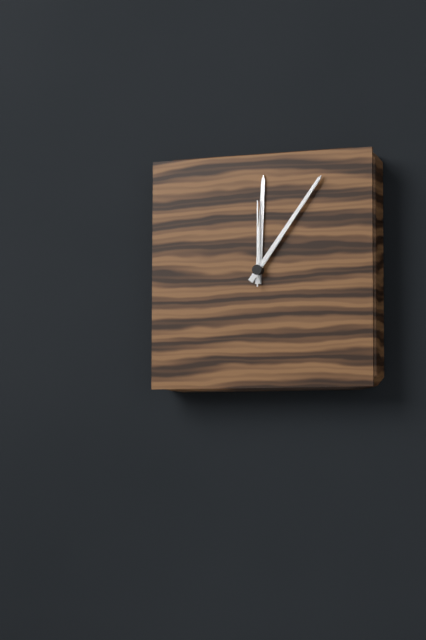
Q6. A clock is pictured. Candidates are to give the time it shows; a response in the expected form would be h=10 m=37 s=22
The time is h=12 m=6 s=0
